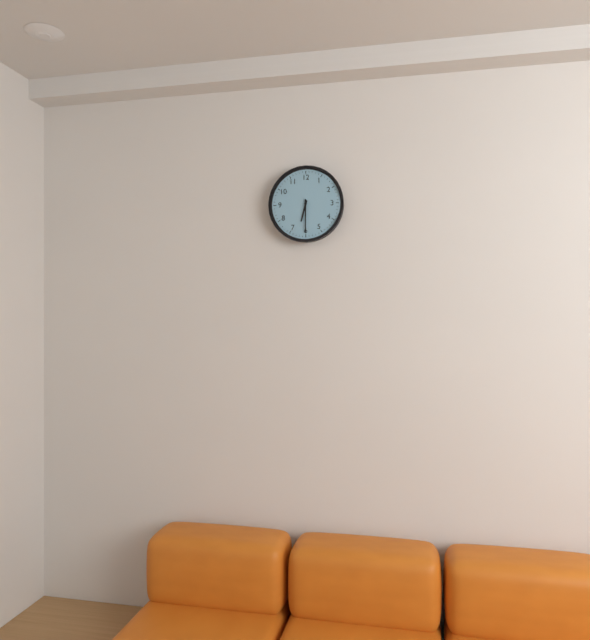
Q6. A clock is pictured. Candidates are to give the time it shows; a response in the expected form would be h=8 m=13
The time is h=6 m=30
